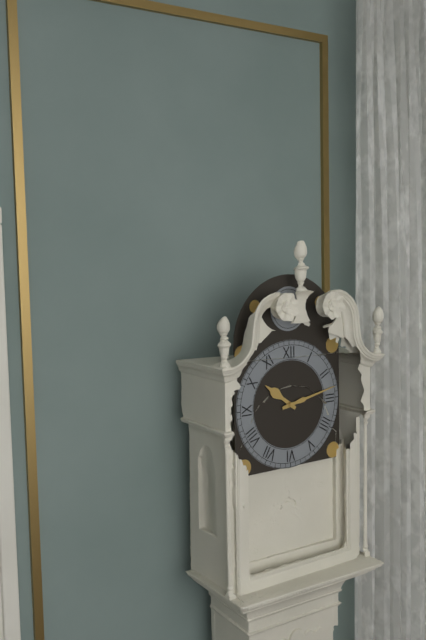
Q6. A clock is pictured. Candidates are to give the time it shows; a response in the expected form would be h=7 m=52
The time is h=10 m=13
